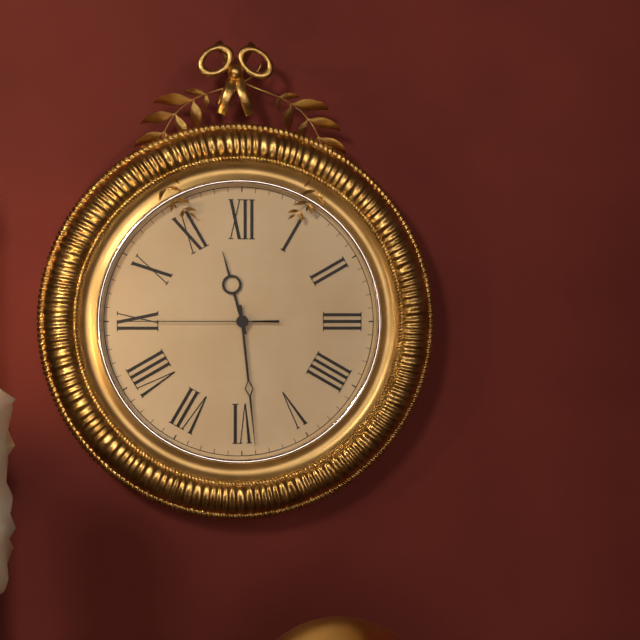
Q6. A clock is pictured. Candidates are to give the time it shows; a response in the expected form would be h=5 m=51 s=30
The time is h=11 m=29 s=45
